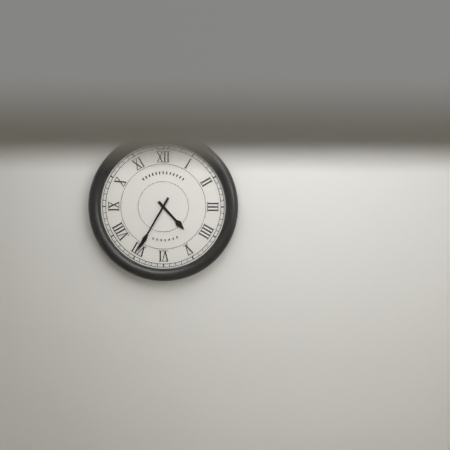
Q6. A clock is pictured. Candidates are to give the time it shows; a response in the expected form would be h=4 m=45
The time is h=4 m=35
